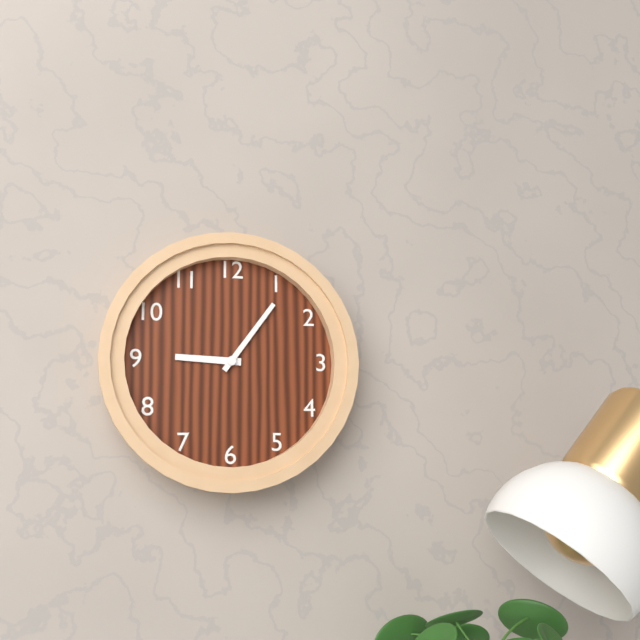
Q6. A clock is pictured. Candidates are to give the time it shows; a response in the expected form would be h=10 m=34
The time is h=9 m=6
